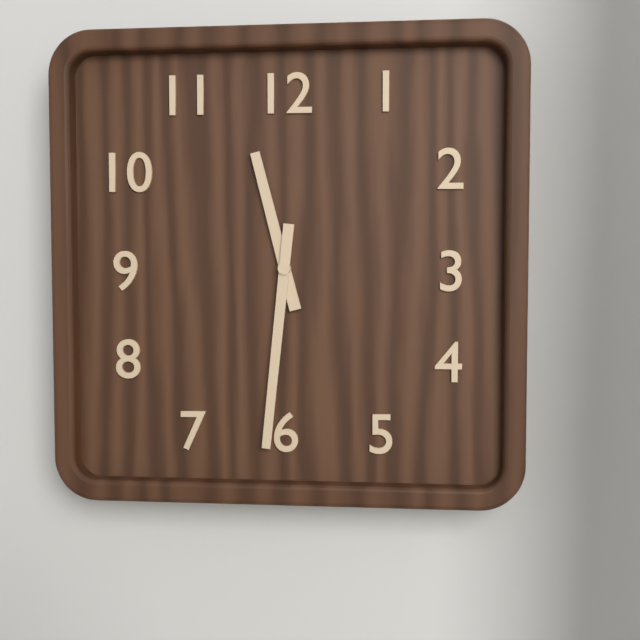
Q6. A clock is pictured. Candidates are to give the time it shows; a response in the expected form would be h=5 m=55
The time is h=11 m=31
